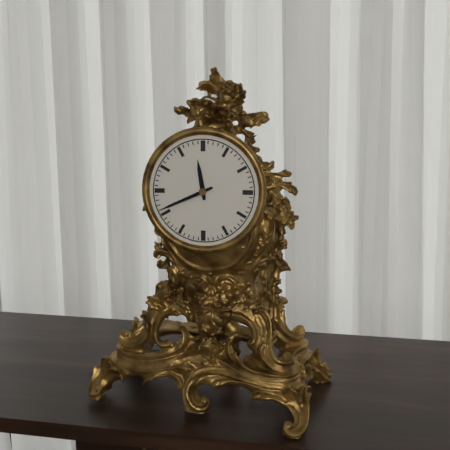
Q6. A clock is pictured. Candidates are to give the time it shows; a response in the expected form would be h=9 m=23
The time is h=11 m=41
